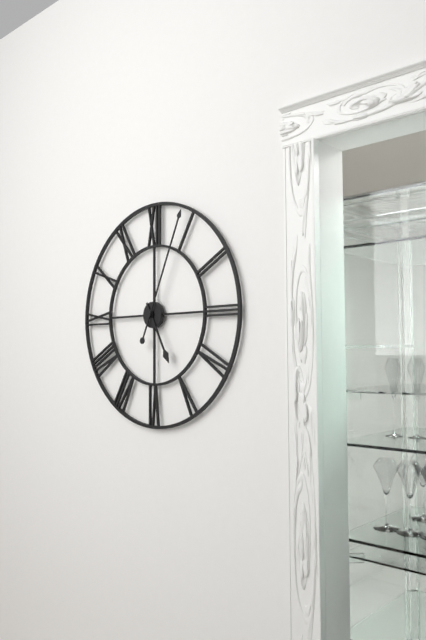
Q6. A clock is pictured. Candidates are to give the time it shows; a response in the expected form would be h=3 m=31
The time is h=5 m=4
